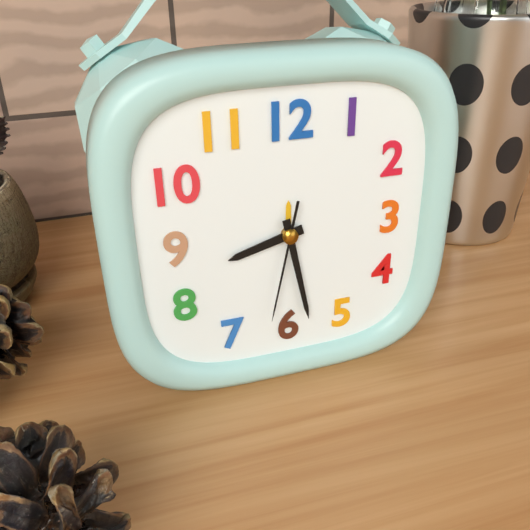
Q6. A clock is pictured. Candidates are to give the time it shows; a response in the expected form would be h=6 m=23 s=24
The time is h=8 m=28 s=32
